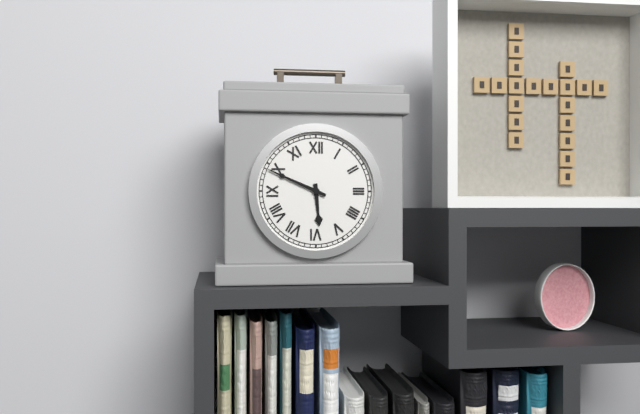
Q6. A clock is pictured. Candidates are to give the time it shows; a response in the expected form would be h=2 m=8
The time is h=5 m=49
